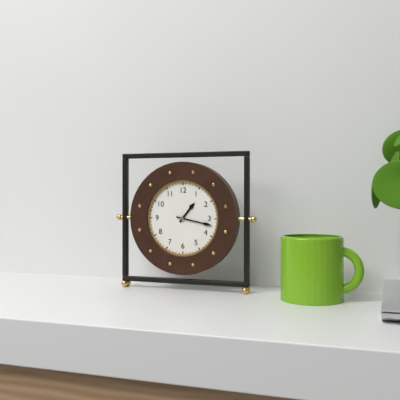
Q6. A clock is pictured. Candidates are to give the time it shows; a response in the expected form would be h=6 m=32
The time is h=1 m=17
